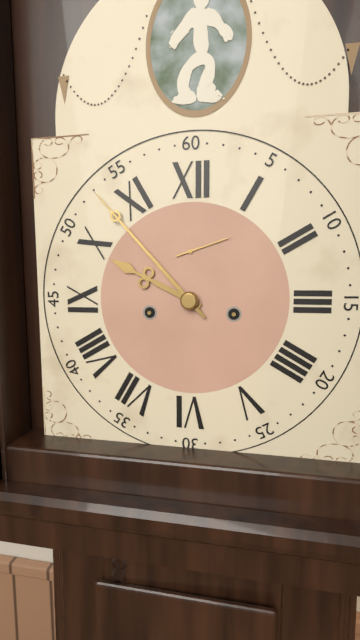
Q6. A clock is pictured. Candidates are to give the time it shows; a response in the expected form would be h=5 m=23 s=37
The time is h=9 m=53 s=12
